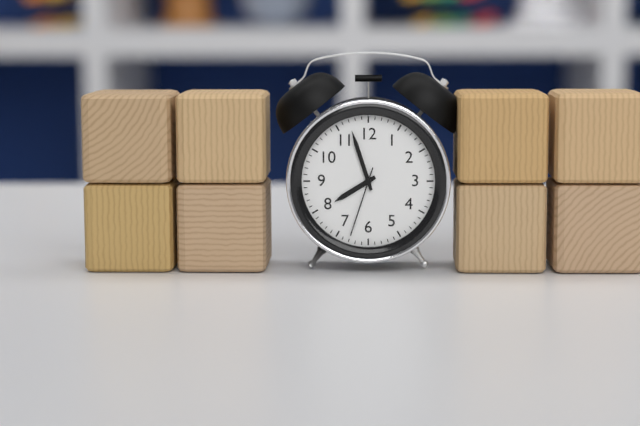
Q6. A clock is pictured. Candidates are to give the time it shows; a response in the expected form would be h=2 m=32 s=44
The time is h=7 m=57 s=33
